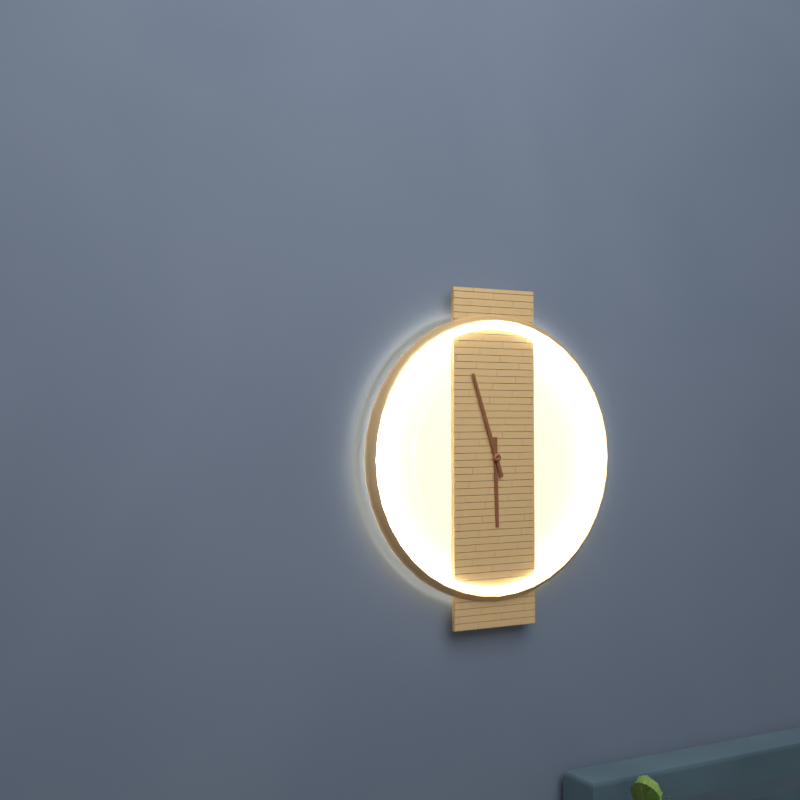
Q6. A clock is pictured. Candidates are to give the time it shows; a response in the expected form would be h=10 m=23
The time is h=5 m=57
